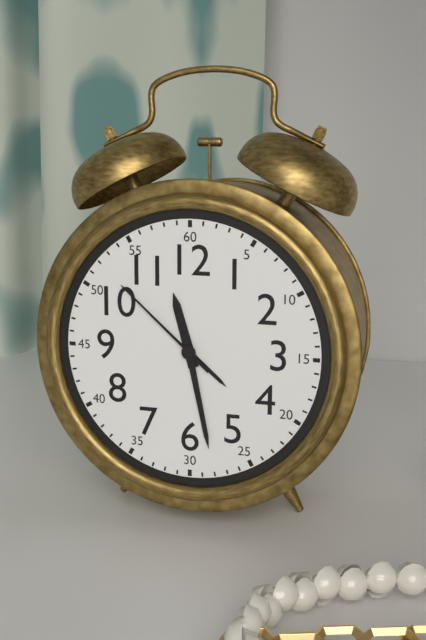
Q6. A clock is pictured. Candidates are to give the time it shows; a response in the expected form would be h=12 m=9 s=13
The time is h=11 m=28 s=52
